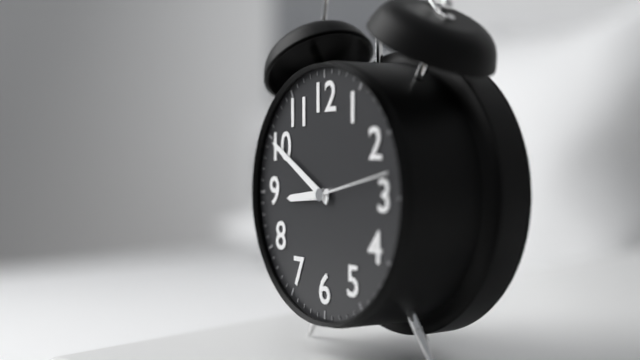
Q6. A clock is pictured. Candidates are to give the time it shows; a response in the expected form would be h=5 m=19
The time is h=8 m=50
